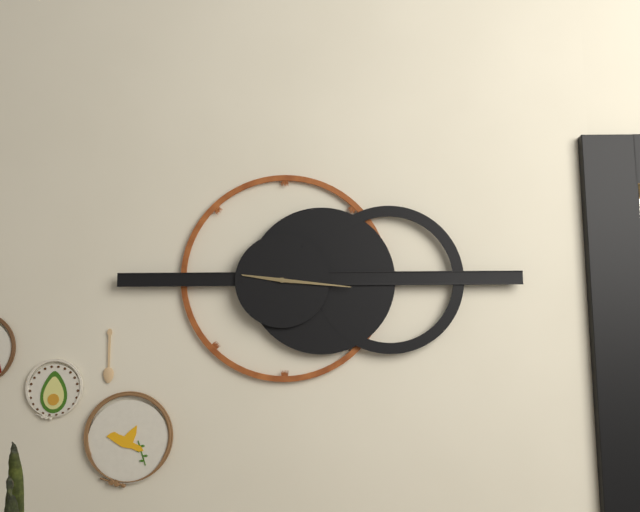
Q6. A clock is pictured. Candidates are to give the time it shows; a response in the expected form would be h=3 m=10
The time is h=9 m=16
